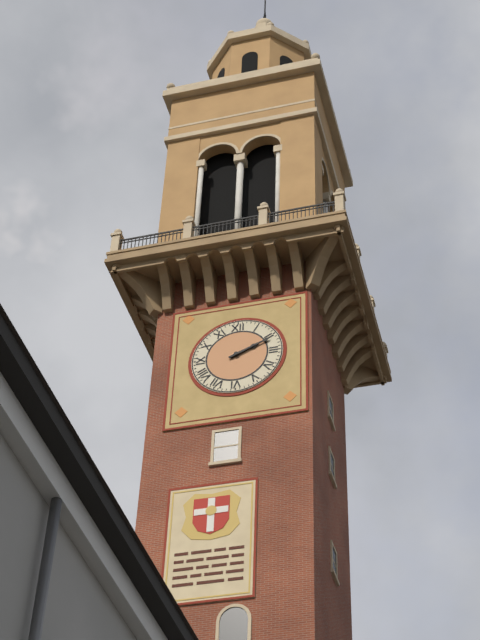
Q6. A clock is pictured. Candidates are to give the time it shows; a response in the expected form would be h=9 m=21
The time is h=2 m=11
